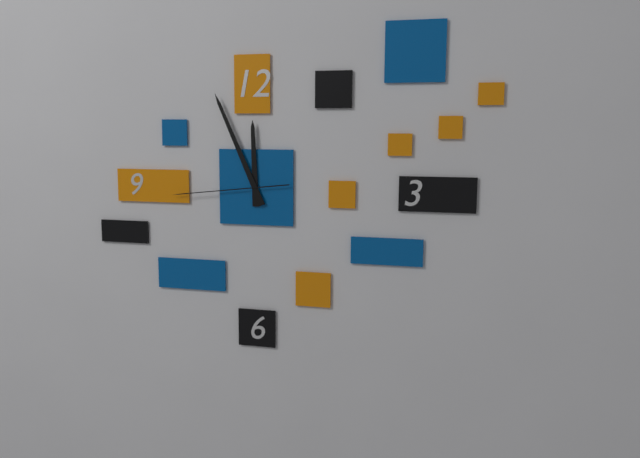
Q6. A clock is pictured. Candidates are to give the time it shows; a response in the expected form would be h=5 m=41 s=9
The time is h=11 m=56 s=44
